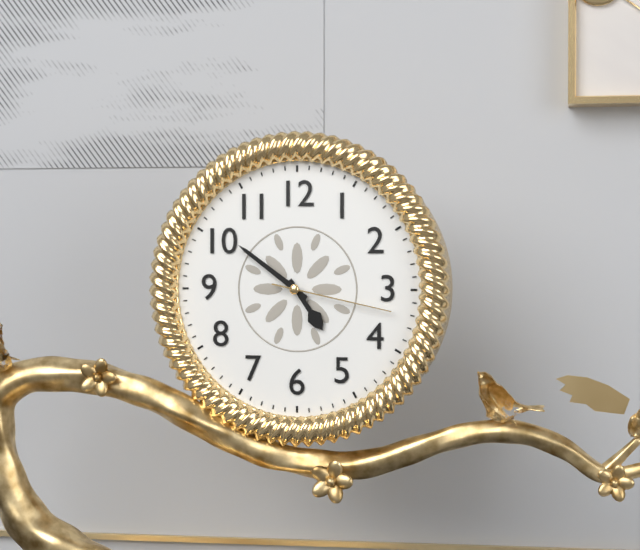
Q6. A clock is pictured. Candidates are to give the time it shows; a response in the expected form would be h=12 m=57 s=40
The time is h=4 m=51 s=17
